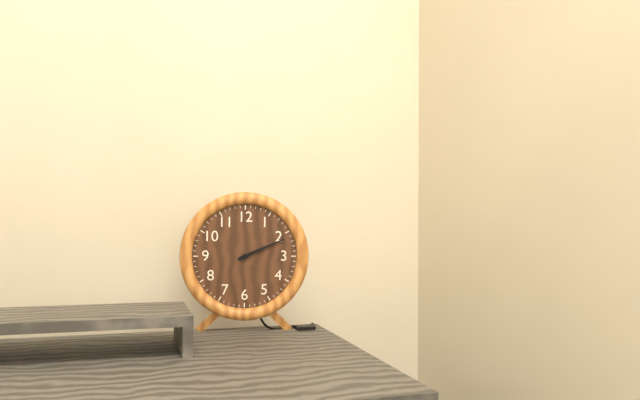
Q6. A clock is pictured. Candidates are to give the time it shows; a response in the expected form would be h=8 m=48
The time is h=2 m=11
